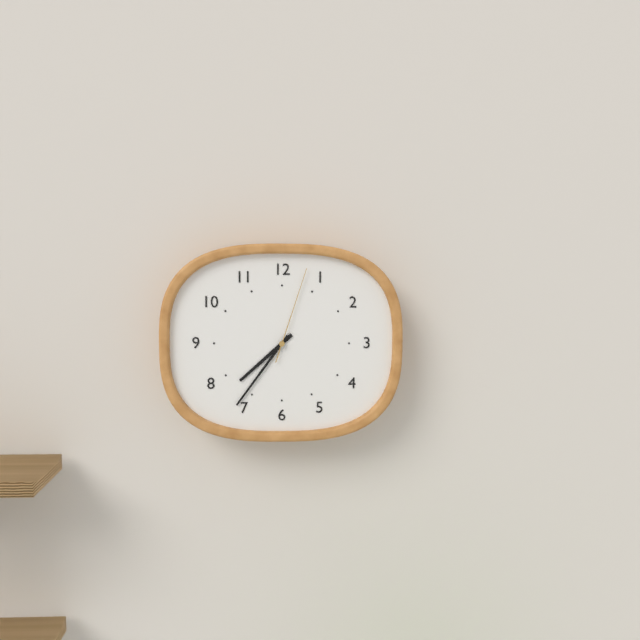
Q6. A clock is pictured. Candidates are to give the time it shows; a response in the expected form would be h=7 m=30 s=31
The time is h=7 m=36 s=3
